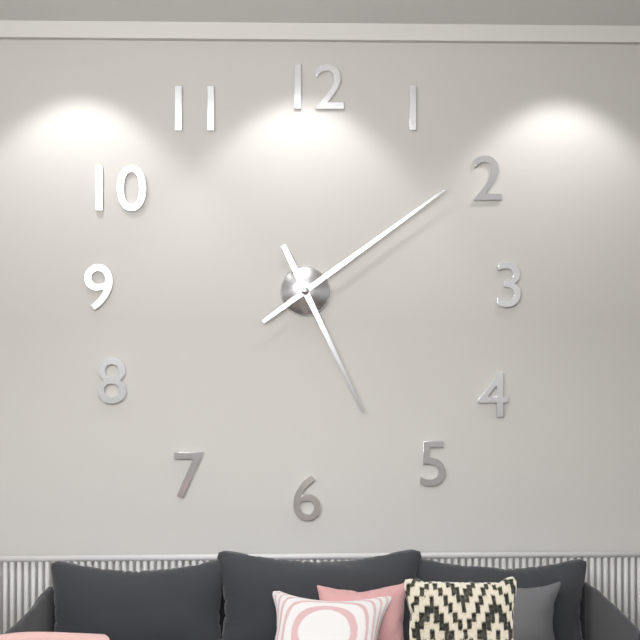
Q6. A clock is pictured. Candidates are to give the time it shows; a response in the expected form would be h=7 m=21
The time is h=5 m=9
